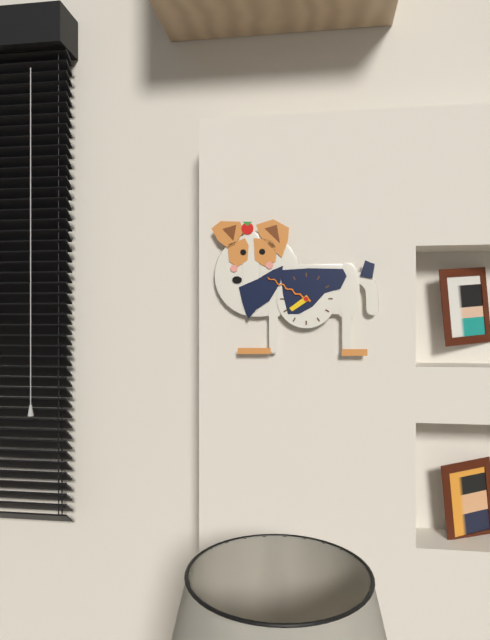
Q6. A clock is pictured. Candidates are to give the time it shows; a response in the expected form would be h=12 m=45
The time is h=7 m=50
